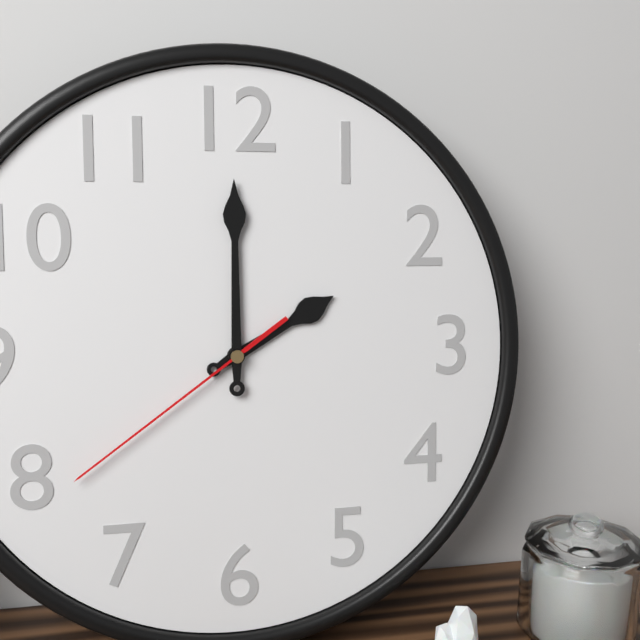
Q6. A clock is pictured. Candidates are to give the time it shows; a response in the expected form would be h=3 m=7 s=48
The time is h=2 m=0 s=39
